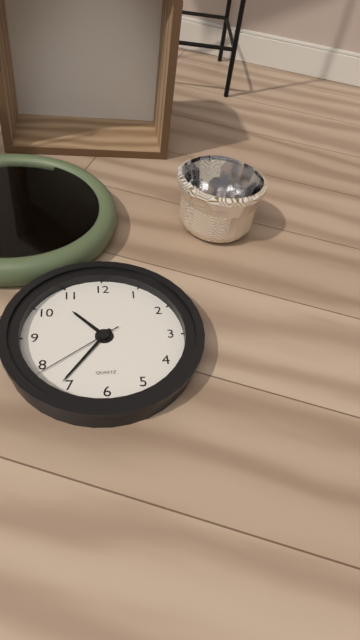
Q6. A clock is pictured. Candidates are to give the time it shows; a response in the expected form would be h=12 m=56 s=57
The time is h=10 m=36 s=39
